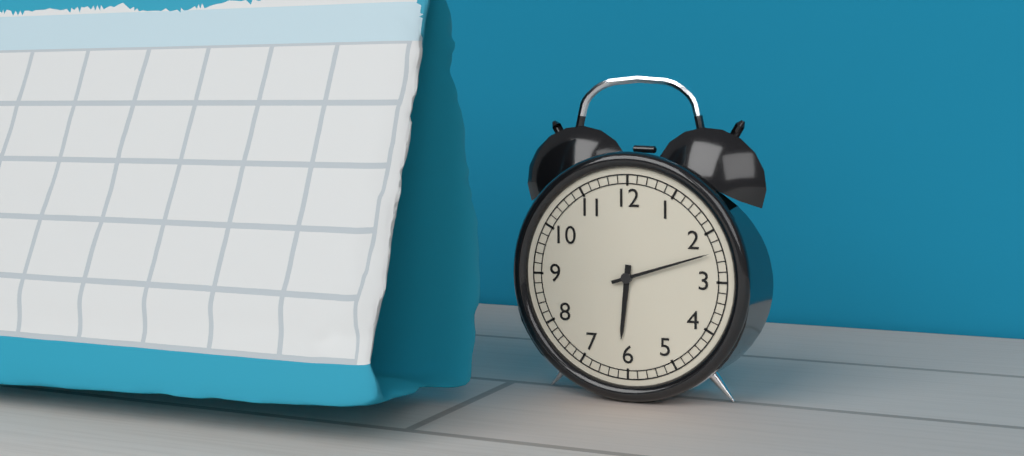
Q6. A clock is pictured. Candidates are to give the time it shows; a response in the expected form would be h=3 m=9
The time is h=6 m=12
